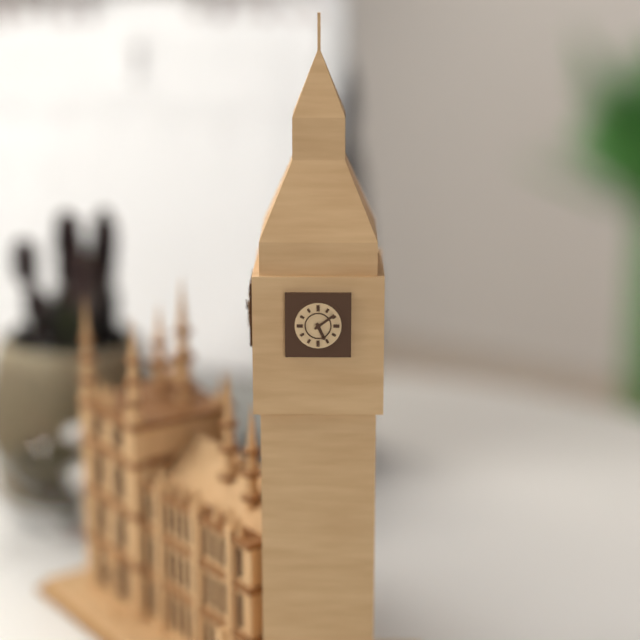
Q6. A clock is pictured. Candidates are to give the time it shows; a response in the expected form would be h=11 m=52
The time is h=5 m=9
